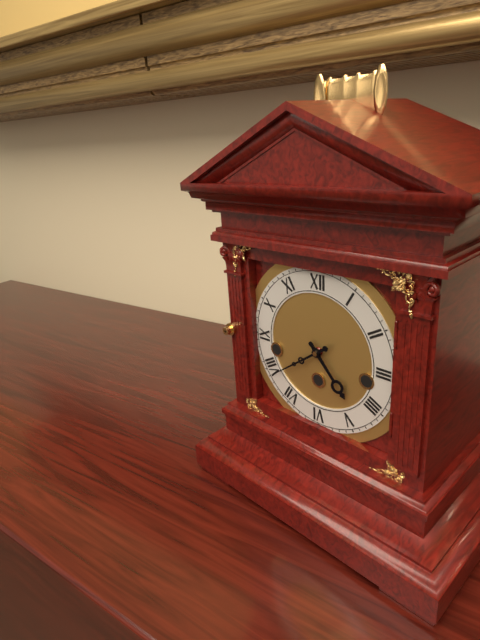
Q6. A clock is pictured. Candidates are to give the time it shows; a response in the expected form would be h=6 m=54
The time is h=4 m=39
